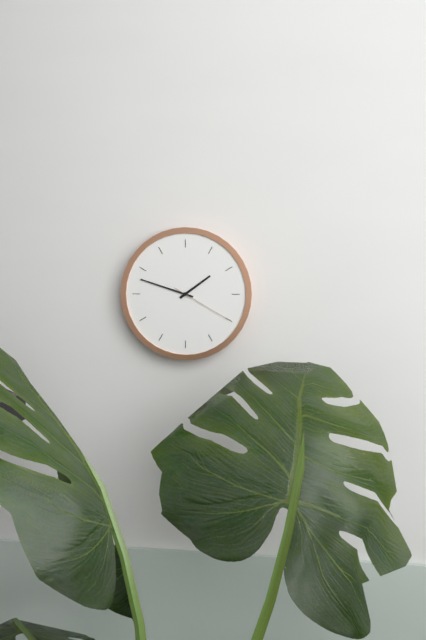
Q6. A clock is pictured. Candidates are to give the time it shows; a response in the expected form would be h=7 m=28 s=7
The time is h=1 m=48 s=20
